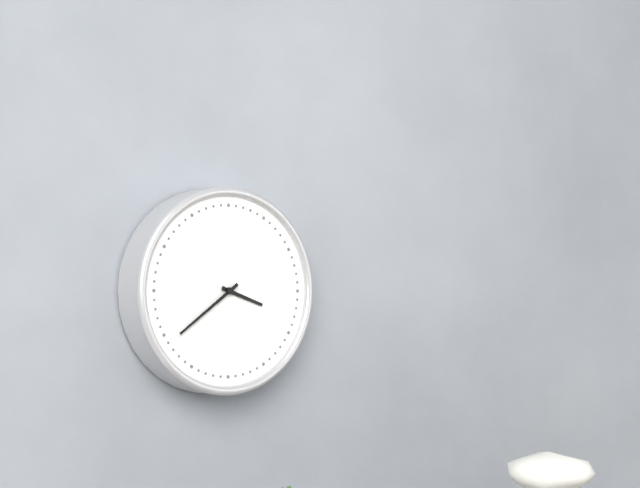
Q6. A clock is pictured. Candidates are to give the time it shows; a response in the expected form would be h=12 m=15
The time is h=3 m=39
